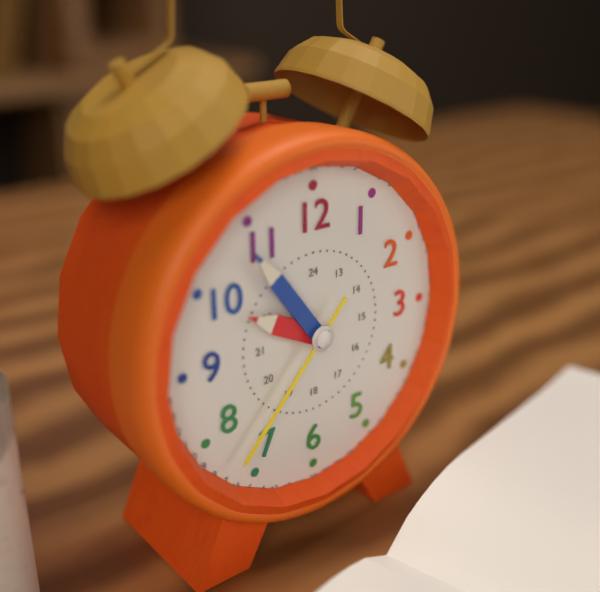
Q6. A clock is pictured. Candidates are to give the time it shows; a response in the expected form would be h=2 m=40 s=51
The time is h=9 m=54 s=37
